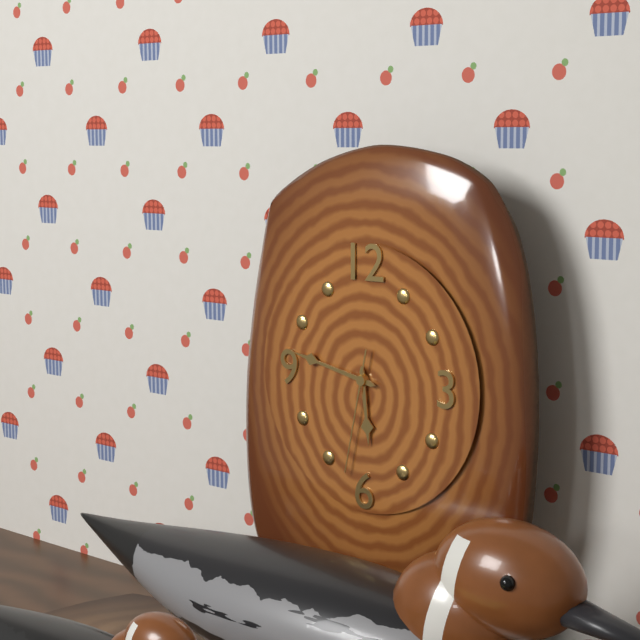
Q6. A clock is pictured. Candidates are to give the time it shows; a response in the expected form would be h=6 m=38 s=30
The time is h=5 m=47 s=32
